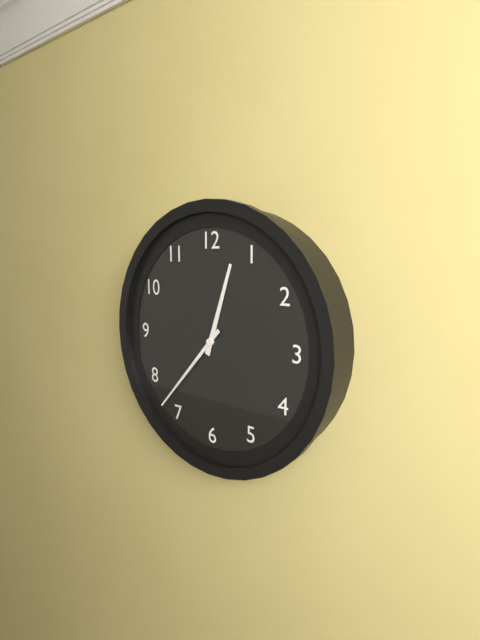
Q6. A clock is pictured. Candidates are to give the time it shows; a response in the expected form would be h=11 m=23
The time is h=12 m=37
